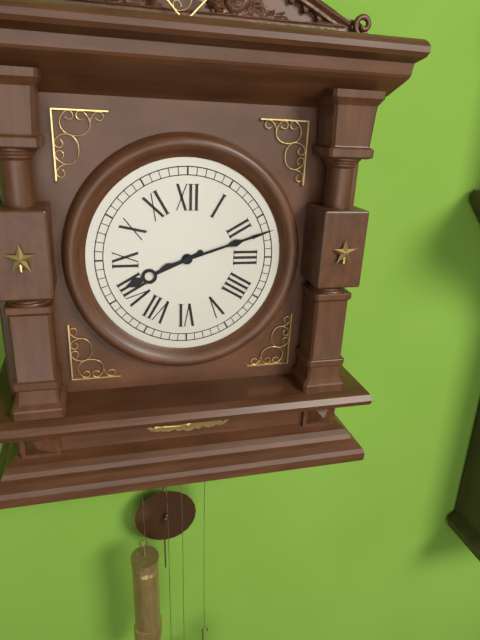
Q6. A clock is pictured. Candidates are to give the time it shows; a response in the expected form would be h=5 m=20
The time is h=8 m=12
